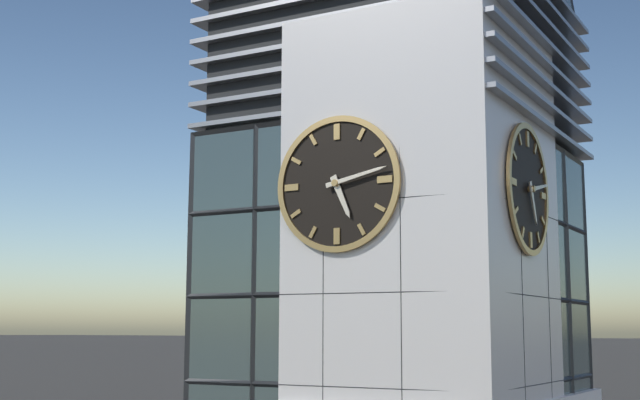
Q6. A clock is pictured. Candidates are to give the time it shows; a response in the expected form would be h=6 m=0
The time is h=5 m=13
